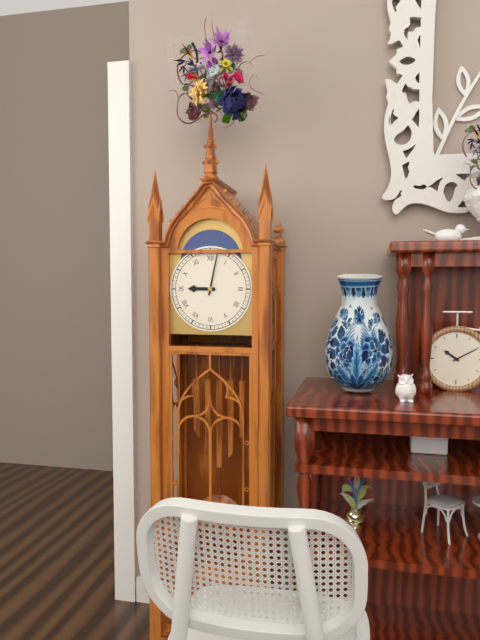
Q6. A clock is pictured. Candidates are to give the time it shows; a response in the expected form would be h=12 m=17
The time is h=9 m=2
